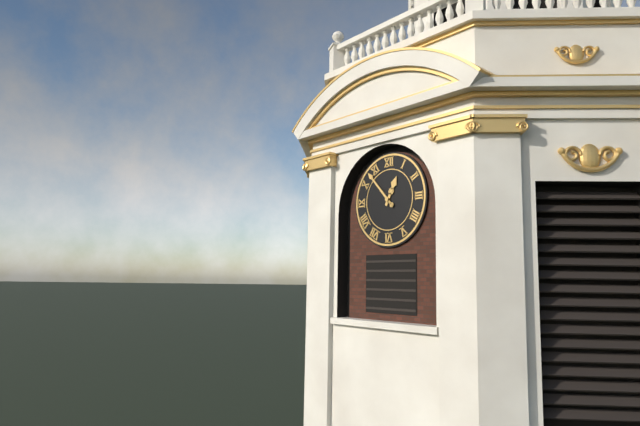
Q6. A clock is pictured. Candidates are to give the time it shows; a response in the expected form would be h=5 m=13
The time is h=12 m=53
